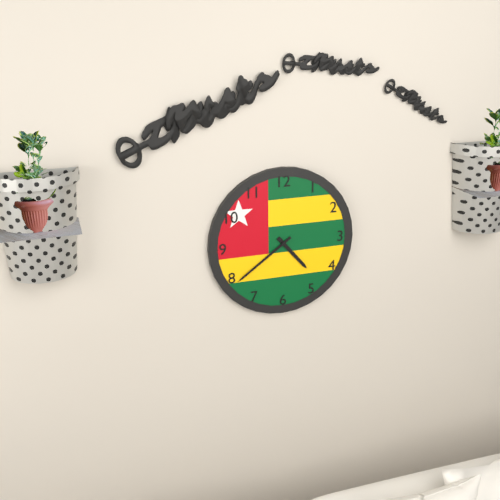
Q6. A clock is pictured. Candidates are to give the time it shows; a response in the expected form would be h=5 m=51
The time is h=4 m=39
